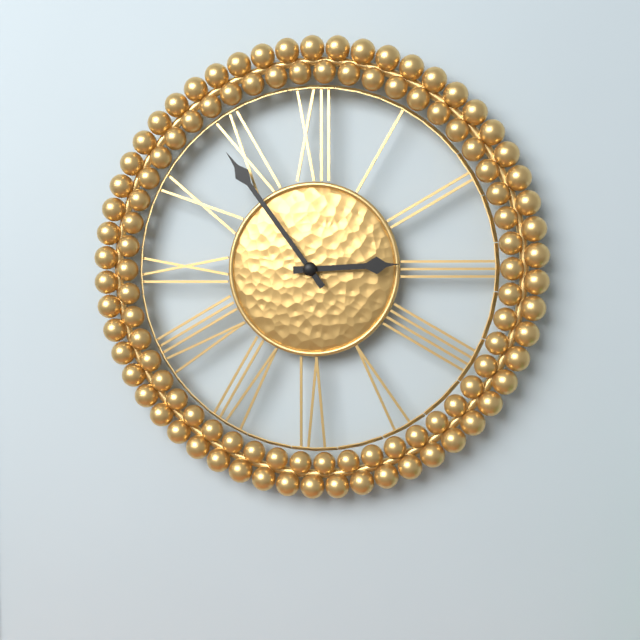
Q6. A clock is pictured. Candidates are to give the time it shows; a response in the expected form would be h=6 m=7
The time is h=2 m=54
